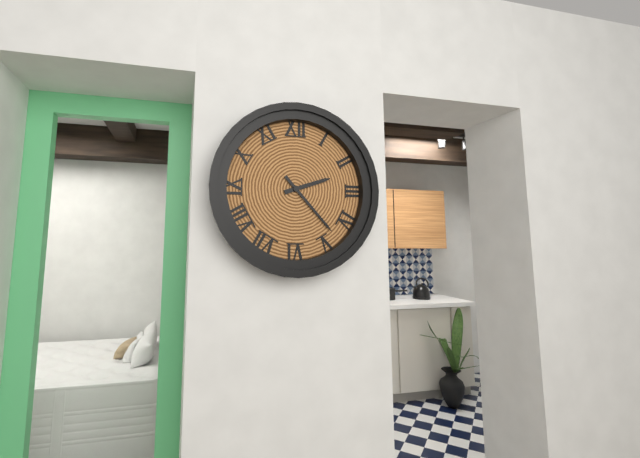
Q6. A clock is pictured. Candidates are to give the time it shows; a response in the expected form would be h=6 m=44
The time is h=2 m=23
